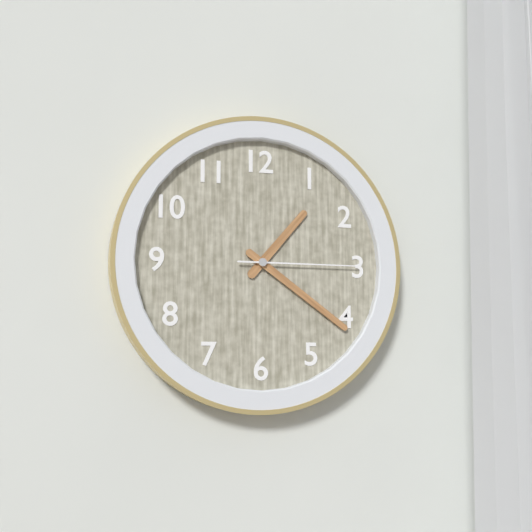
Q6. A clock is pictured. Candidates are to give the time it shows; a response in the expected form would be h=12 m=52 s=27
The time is h=1 m=21 s=15
